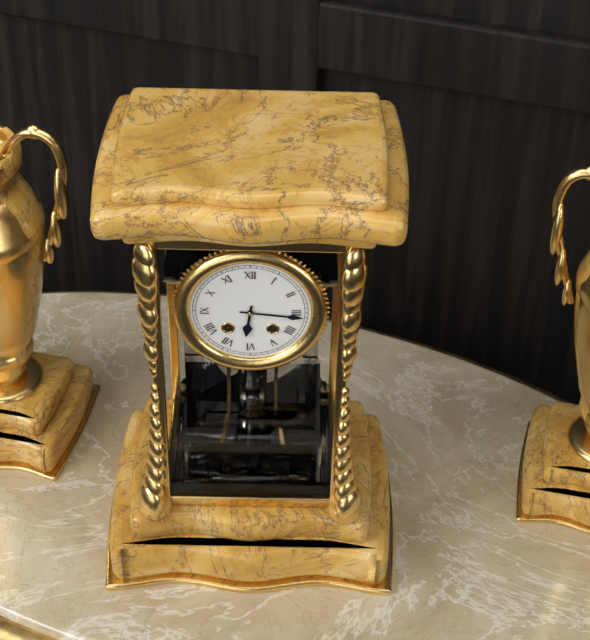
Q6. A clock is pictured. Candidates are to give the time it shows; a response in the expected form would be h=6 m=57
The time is h=6 m=16
